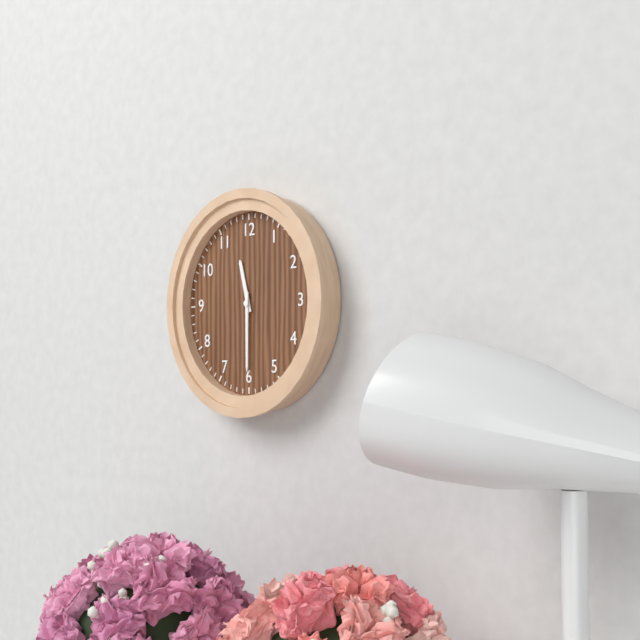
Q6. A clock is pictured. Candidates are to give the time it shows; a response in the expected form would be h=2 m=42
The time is h=11 m=30
